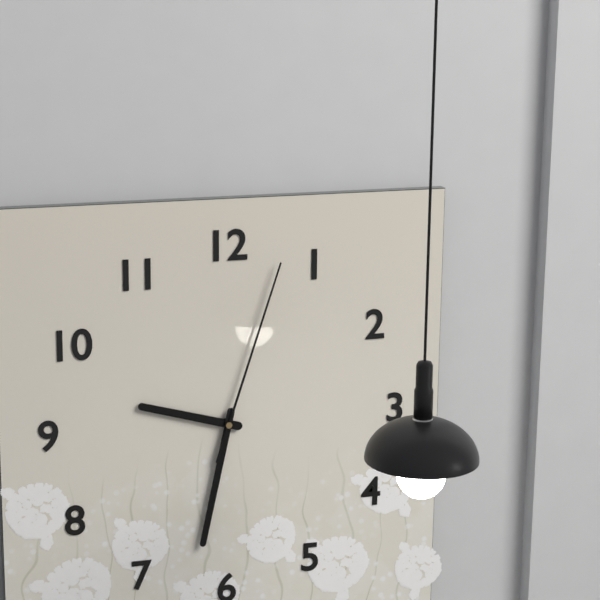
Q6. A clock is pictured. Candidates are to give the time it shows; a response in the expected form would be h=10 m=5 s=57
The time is h=9 m=32 s=3
